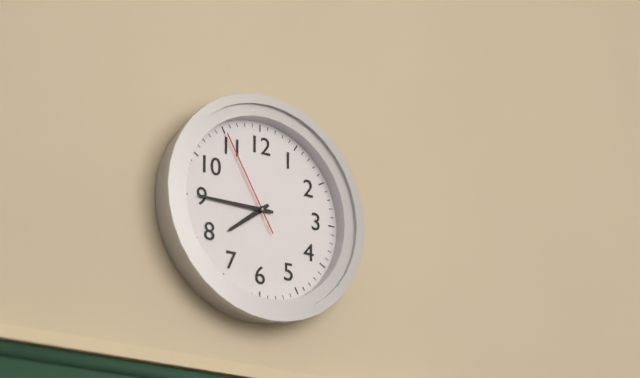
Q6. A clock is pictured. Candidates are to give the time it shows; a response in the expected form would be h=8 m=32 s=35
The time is h=7 m=45 s=55
